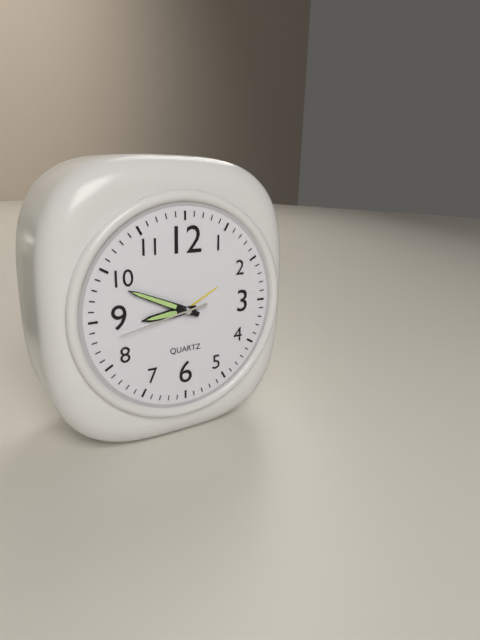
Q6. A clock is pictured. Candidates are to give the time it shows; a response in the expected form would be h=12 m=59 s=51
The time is h=8 m=49 s=43
